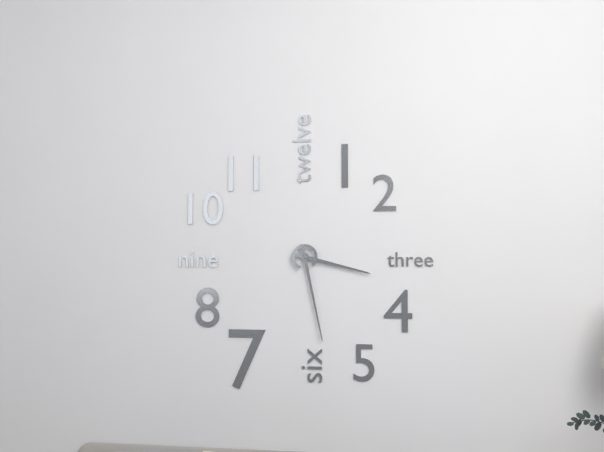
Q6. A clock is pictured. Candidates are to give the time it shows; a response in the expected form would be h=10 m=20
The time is h=3 m=28
